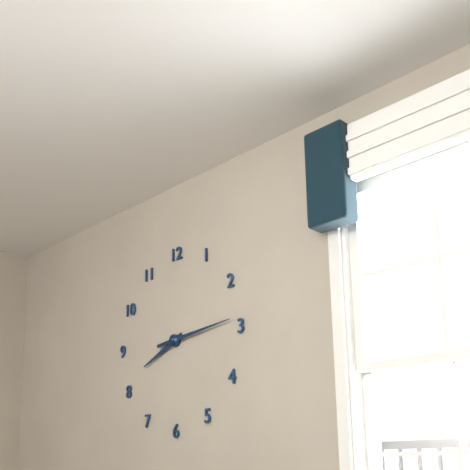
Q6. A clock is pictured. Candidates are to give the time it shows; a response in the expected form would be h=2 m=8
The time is h=8 m=14
